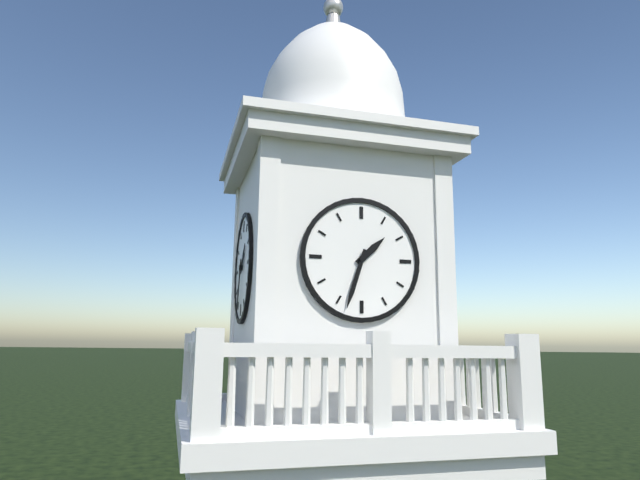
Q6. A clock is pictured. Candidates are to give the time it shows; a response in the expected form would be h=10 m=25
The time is h=1 m=33
